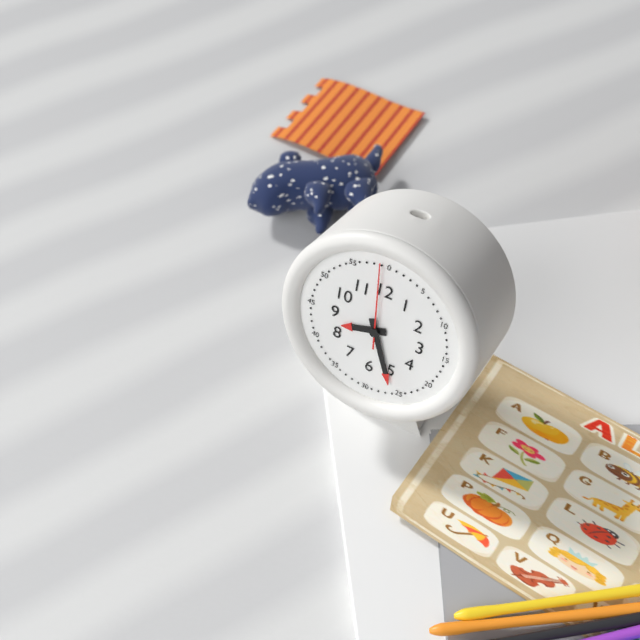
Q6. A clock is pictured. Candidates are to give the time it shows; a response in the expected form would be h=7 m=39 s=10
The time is h=8 m=26 s=59
